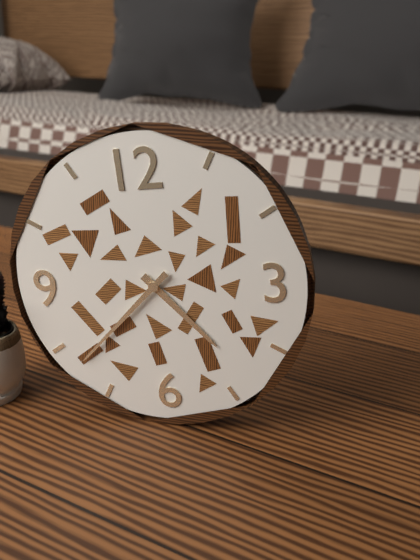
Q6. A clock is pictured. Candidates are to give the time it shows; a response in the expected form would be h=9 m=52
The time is h=4 m=38
